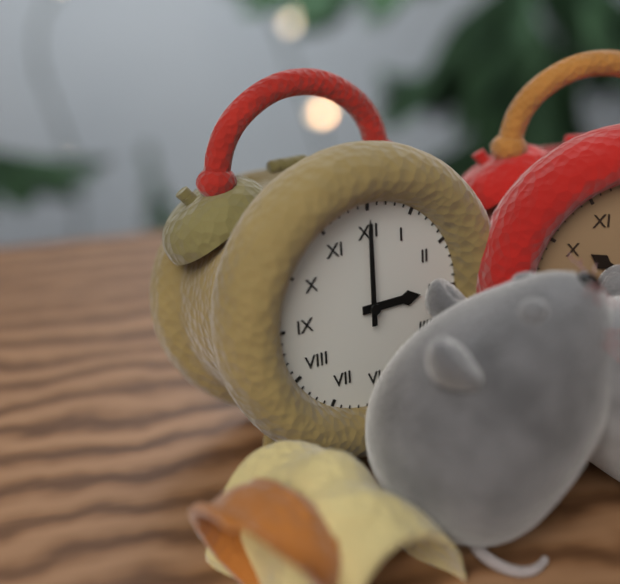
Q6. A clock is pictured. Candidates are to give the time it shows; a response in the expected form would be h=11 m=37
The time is h=3 m=0
